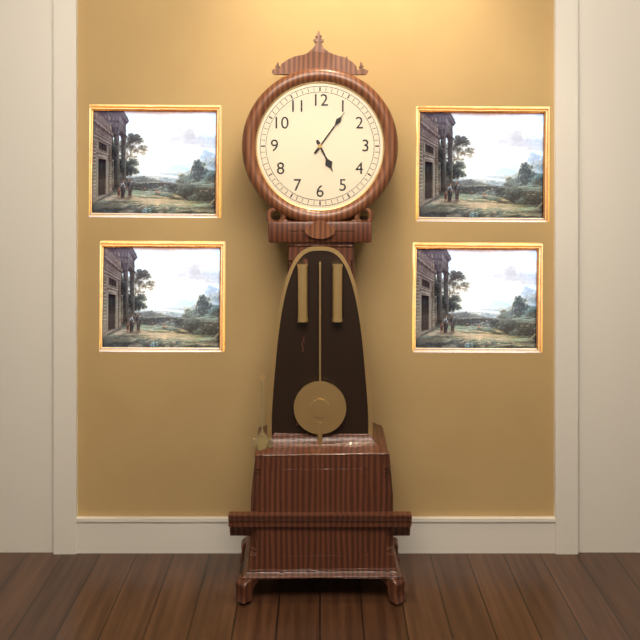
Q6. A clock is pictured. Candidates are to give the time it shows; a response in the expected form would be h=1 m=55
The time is h=5 m=6
